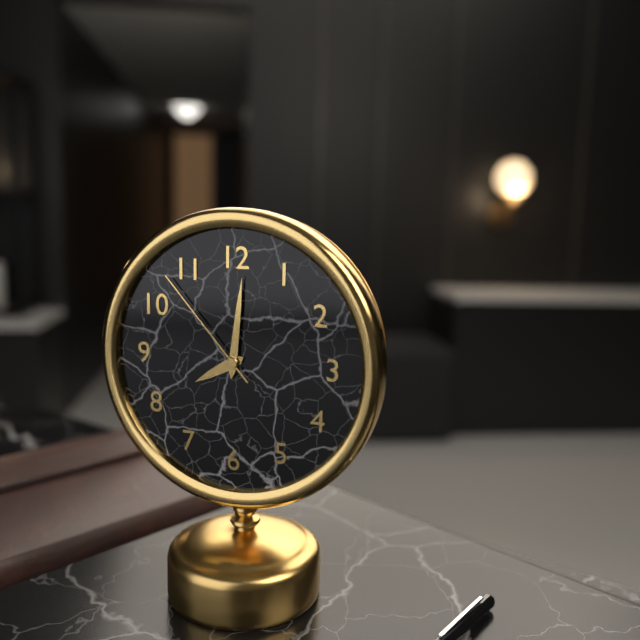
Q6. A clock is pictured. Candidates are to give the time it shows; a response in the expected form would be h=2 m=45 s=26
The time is h=8 m=1 s=53
